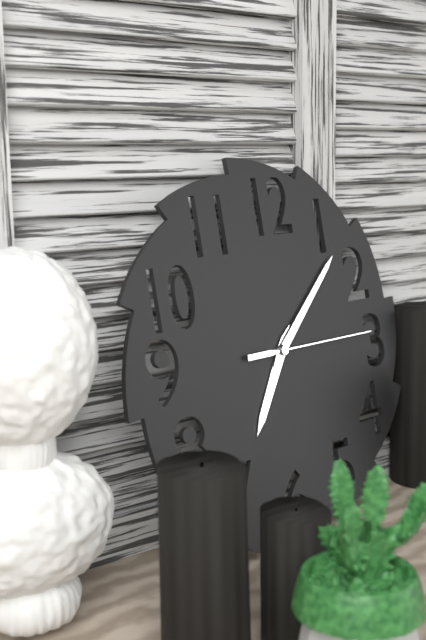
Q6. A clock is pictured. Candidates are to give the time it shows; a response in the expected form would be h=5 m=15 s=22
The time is h=7 m=8 s=15
